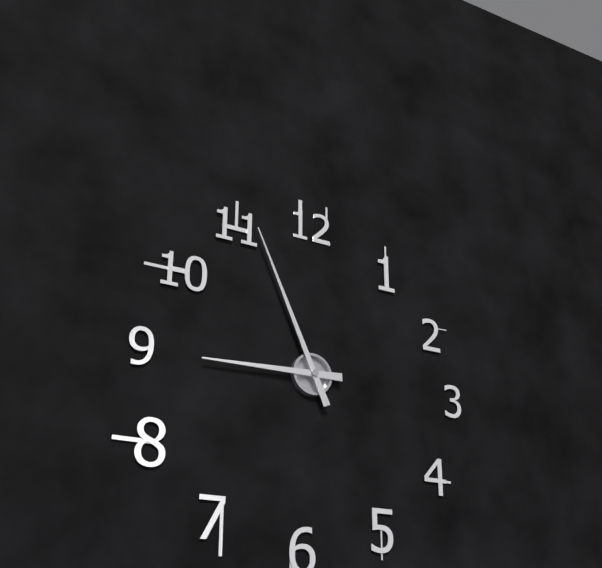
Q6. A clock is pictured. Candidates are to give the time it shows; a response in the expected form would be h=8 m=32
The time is h=8 m=56
